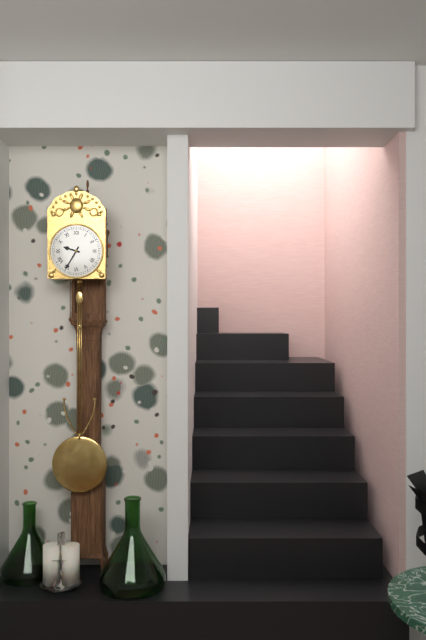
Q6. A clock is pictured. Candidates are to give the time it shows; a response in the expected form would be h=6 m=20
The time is h=9 m=35
